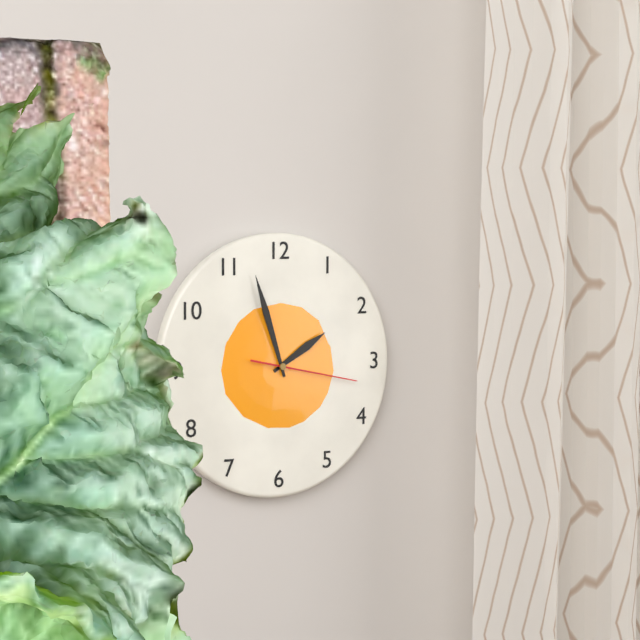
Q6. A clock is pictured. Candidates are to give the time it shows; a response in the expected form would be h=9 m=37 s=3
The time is h=1 m=57 s=17
